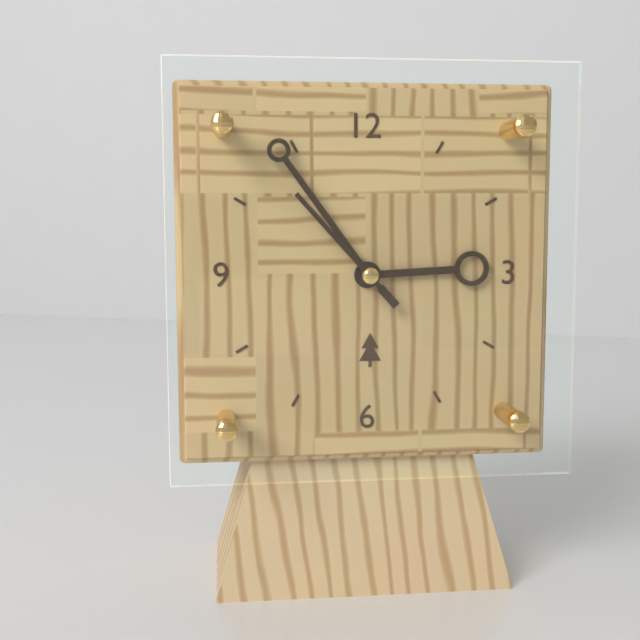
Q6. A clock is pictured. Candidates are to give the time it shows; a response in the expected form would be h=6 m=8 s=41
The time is h=2 m=54 s=53
